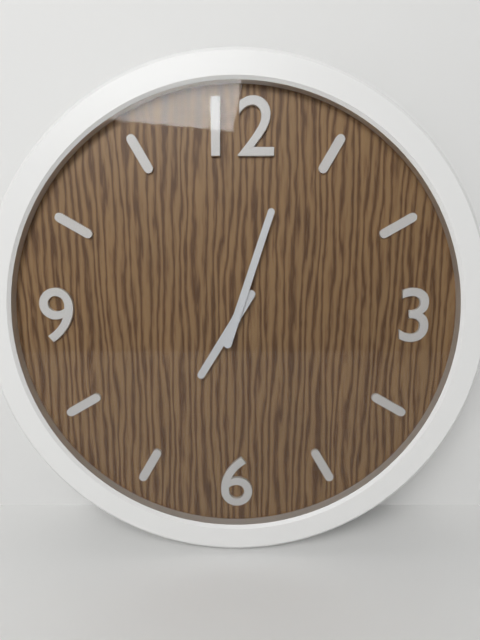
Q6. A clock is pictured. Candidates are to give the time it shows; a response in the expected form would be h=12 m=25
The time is h=7 m=3
